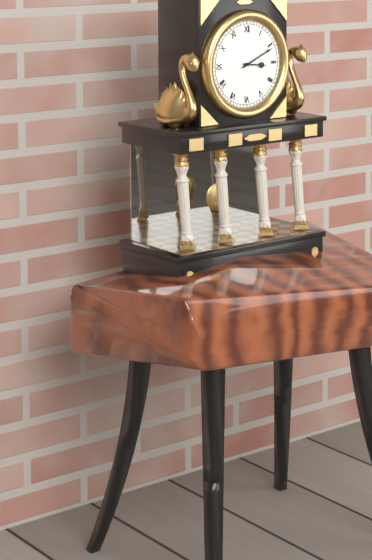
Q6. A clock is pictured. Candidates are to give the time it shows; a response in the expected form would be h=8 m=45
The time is h=3 m=11
